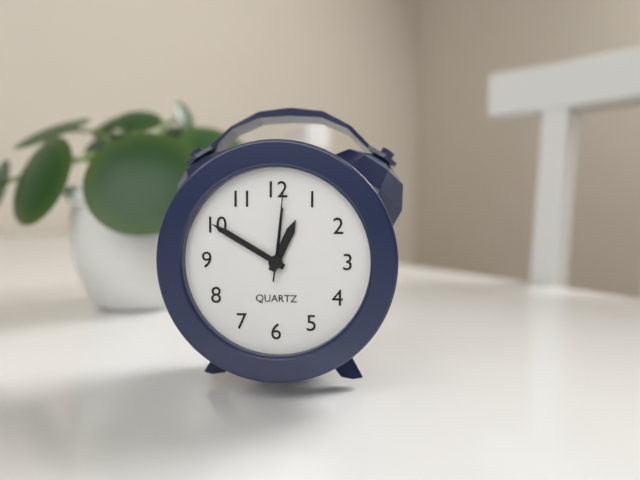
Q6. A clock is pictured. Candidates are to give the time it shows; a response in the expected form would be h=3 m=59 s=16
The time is h=12 m=50 s=1
